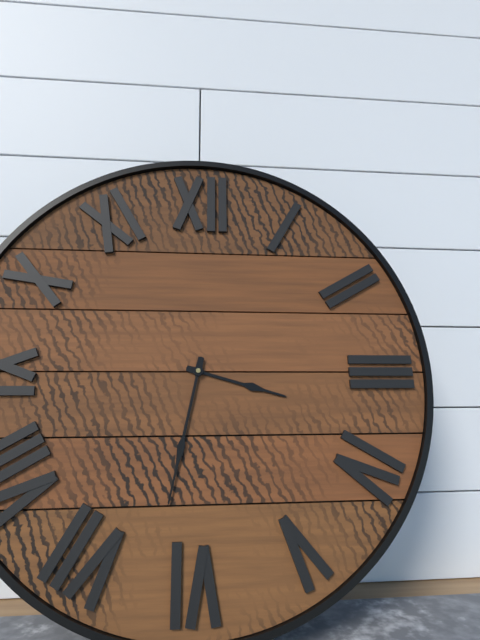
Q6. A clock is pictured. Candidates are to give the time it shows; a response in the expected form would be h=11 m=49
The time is h=3 m=32
